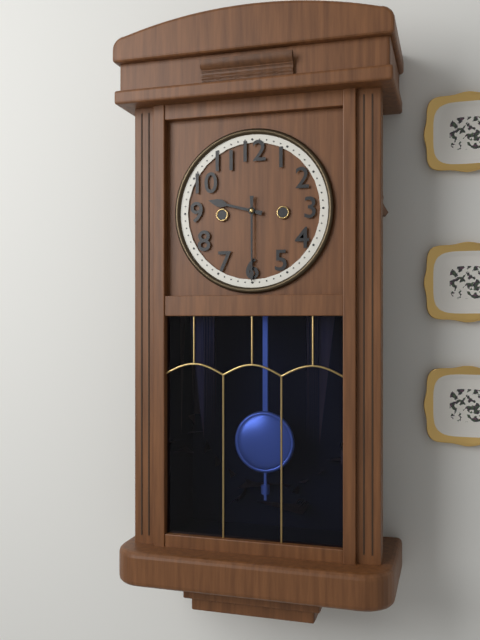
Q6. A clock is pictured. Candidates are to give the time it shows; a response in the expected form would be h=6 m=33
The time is h=9 m=30
